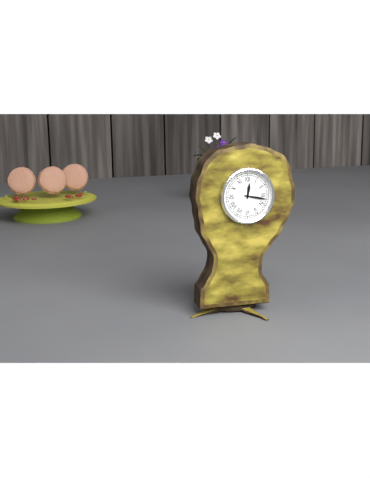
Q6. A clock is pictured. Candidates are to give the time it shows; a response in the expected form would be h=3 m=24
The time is h=12 m=17
